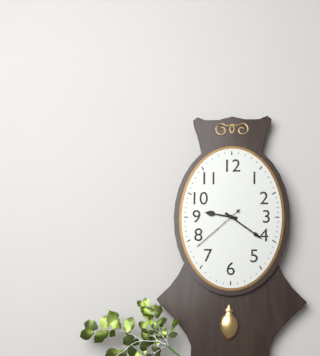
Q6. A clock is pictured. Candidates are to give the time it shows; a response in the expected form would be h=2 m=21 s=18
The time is h=9 m=21 s=38
